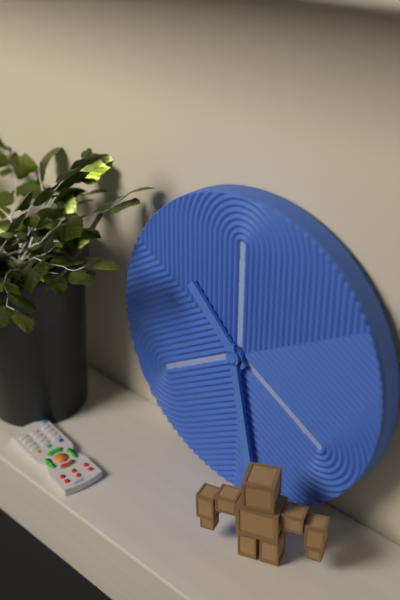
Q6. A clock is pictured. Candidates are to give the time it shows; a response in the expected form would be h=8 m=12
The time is h=10 m=28
